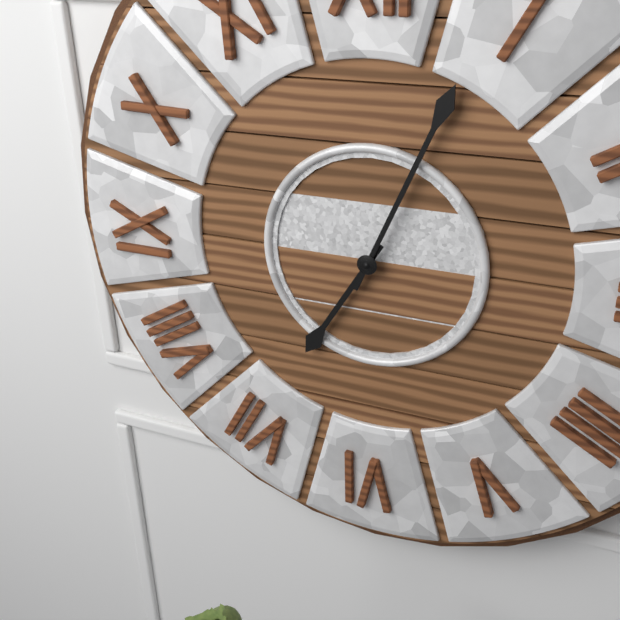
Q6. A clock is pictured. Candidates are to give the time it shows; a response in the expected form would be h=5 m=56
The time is h=7 m=4
